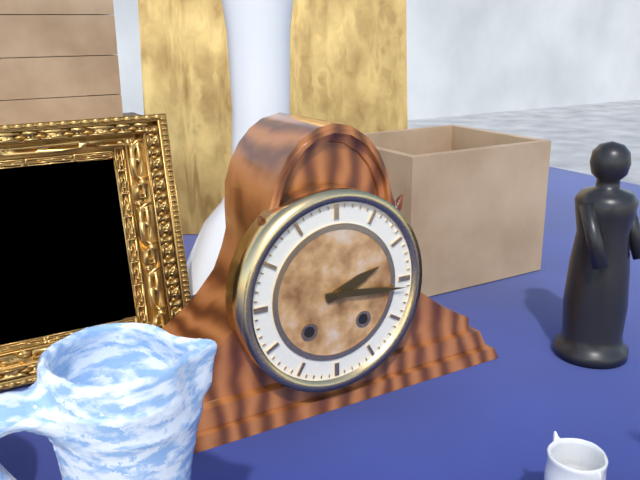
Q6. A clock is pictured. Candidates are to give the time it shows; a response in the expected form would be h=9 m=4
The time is h=2 m=16
